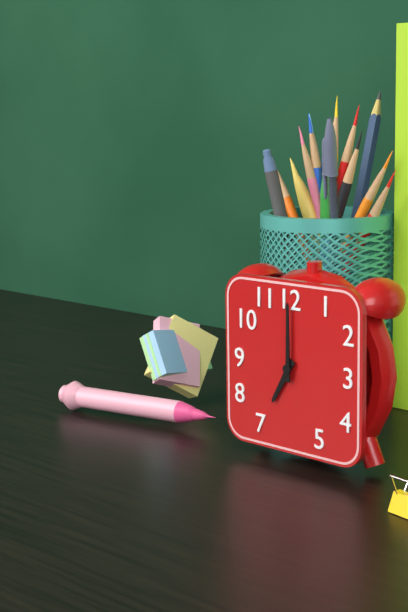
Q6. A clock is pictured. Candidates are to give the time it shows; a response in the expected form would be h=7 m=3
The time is h=7 m=0
